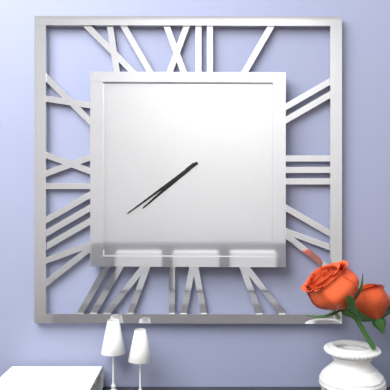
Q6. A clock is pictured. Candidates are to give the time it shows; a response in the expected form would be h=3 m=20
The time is h=7 m=39
